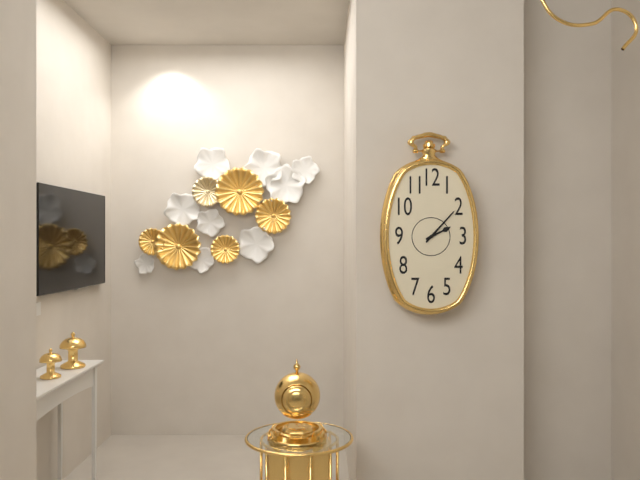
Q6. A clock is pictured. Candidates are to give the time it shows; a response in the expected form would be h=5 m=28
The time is h=2 m=7
